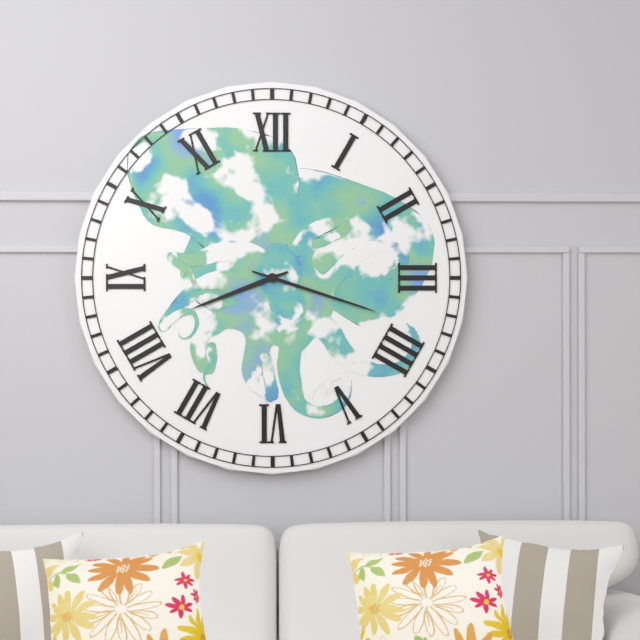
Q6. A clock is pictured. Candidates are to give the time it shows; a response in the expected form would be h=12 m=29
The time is h=8 m=18
